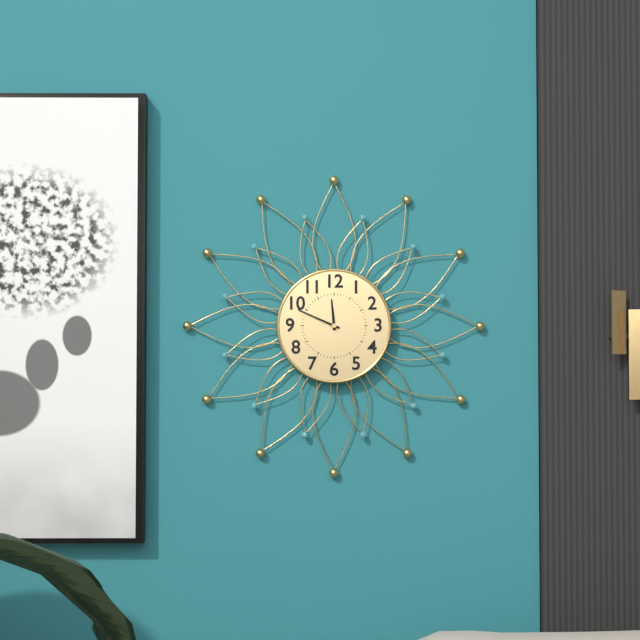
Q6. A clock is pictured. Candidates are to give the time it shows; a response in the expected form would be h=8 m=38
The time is h=11 m=49
